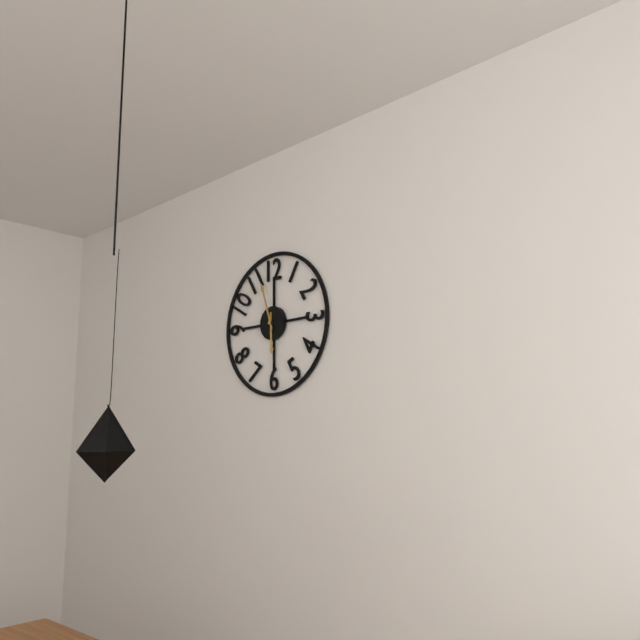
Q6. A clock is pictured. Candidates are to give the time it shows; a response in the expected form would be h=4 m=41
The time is h=5 m=57
